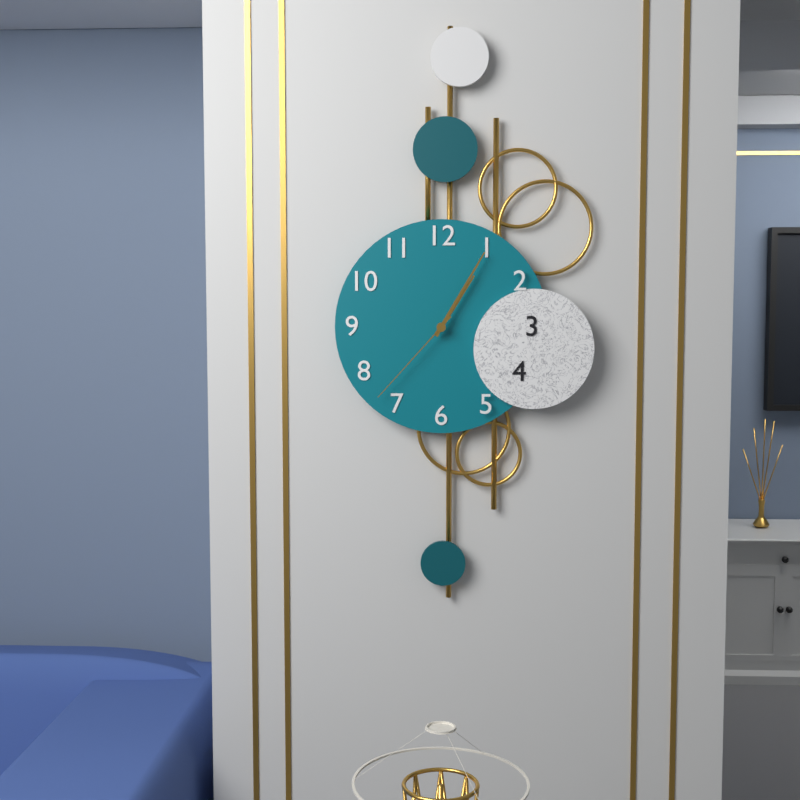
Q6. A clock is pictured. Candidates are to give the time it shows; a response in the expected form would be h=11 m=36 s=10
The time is h=1 m=5 s=37
